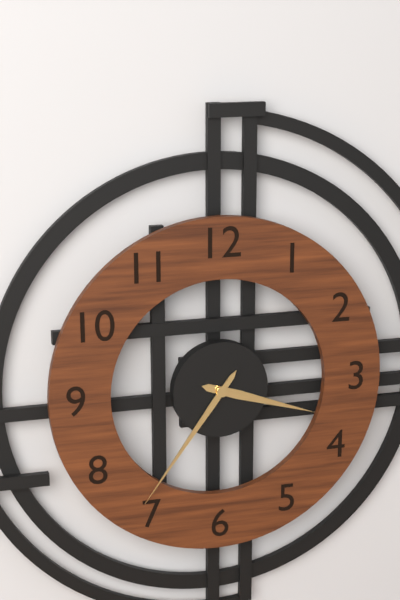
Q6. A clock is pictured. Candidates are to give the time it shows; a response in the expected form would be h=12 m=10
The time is h=3 m=36
